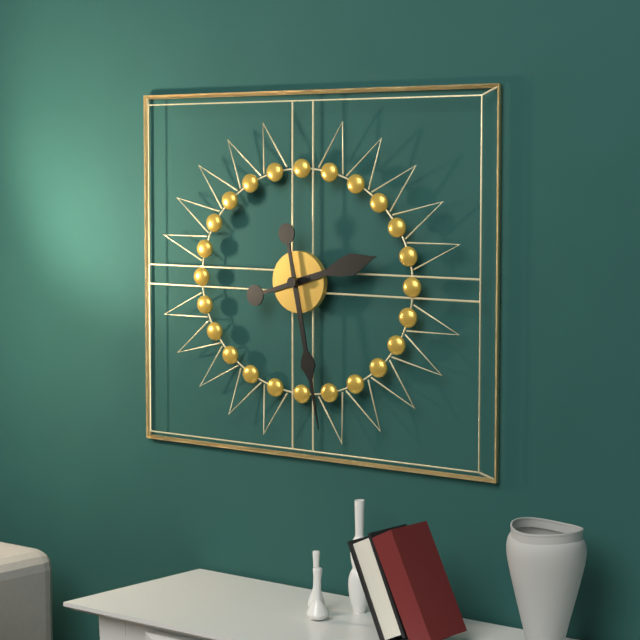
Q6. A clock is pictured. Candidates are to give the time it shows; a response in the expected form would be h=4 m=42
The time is h=2 m=28
